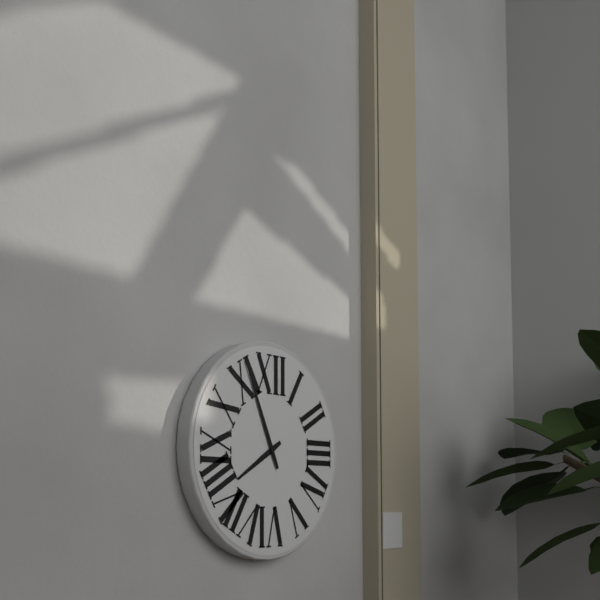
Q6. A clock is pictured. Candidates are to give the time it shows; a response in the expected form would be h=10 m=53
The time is h=7 m=56
